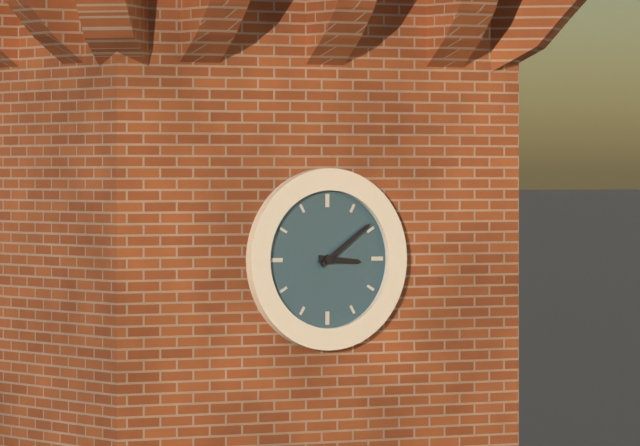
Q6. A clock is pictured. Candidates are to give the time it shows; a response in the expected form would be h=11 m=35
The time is h=3 m=9
